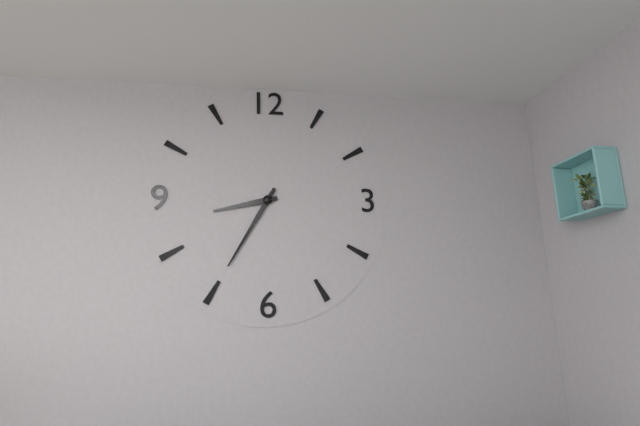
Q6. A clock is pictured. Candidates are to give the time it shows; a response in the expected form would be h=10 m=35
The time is h=8 m=35
